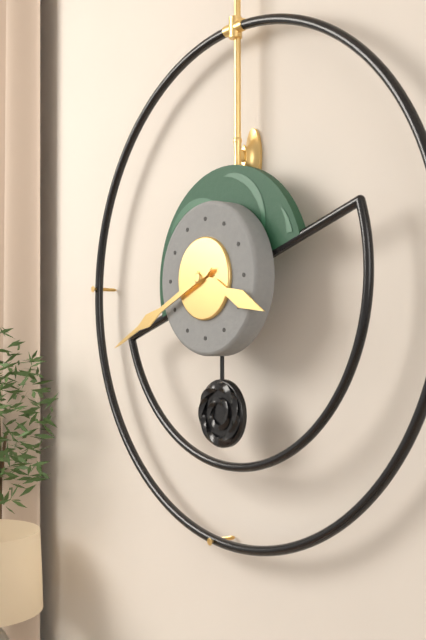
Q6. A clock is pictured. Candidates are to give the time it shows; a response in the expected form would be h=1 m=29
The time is h=3 m=41
